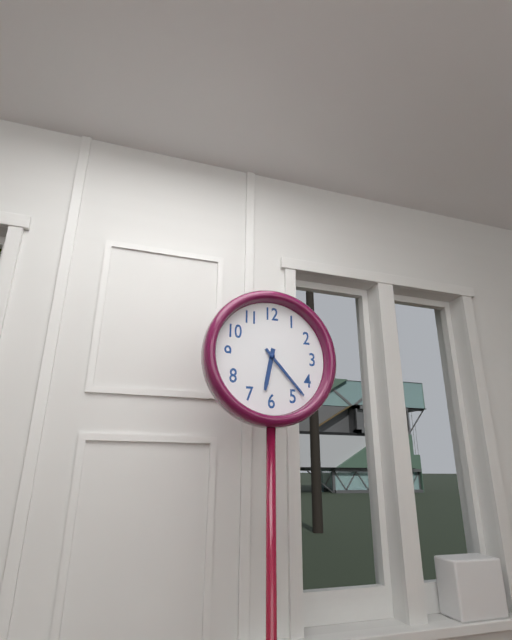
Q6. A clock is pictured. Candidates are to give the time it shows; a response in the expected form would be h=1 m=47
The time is h=6 m=23
